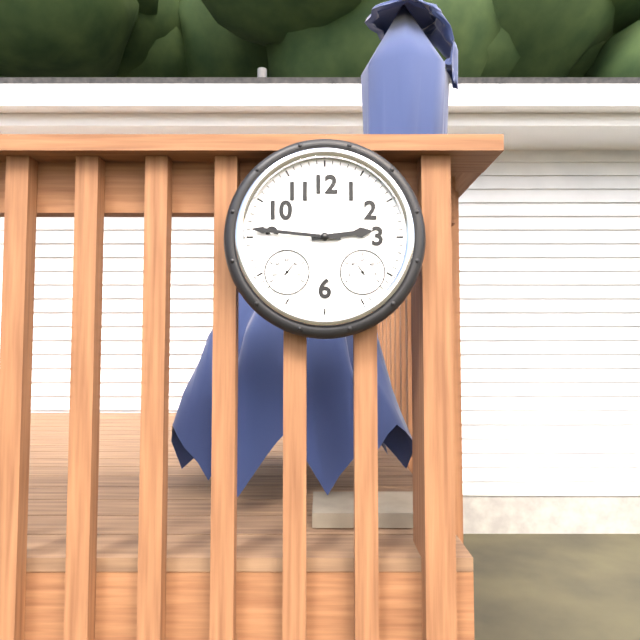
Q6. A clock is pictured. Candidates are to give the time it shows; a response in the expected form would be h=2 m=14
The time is h=2 m=46
